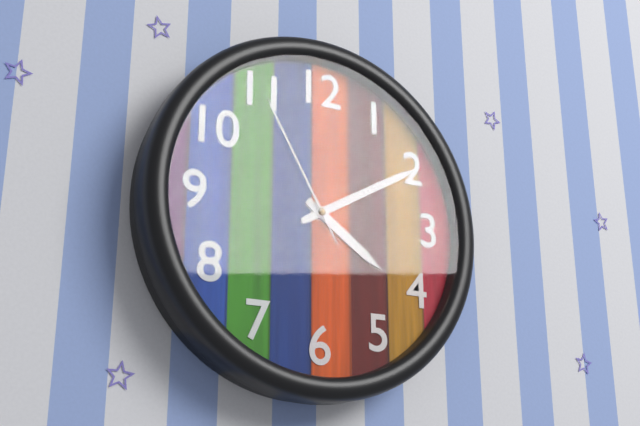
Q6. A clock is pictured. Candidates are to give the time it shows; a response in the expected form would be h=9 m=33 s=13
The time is h=4 m=10 s=55
